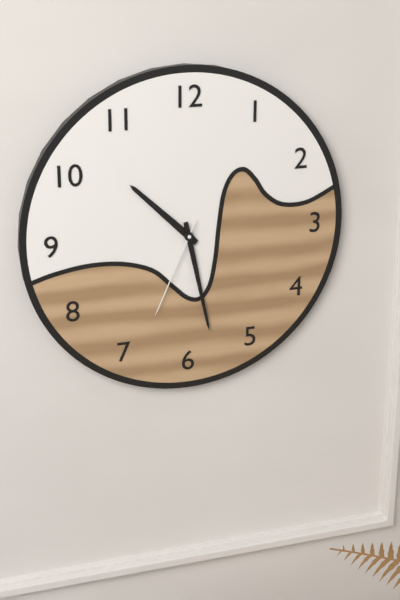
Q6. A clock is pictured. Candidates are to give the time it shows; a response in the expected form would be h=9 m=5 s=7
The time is h=10 m=28 s=34
